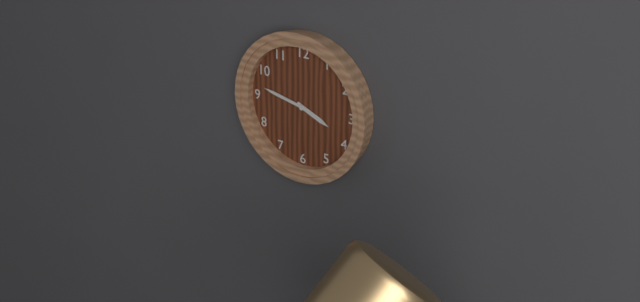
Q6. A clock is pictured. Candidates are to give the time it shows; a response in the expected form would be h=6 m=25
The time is h=3 m=47
